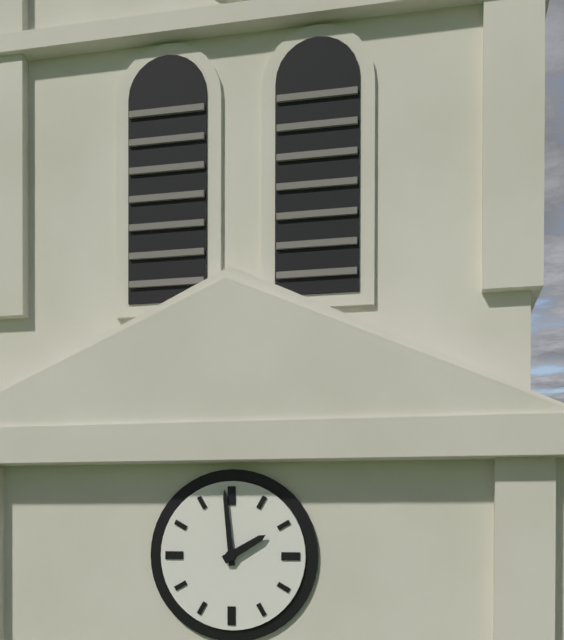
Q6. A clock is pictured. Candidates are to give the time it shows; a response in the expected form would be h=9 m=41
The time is h=1 m=59
